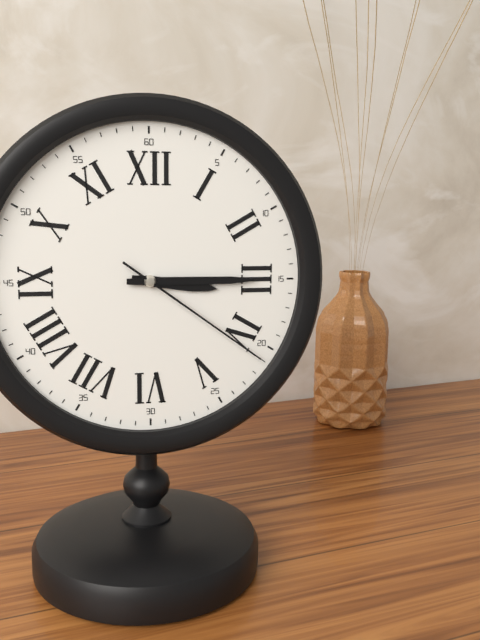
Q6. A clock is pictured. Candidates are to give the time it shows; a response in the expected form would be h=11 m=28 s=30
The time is h=3 m=15 s=21
